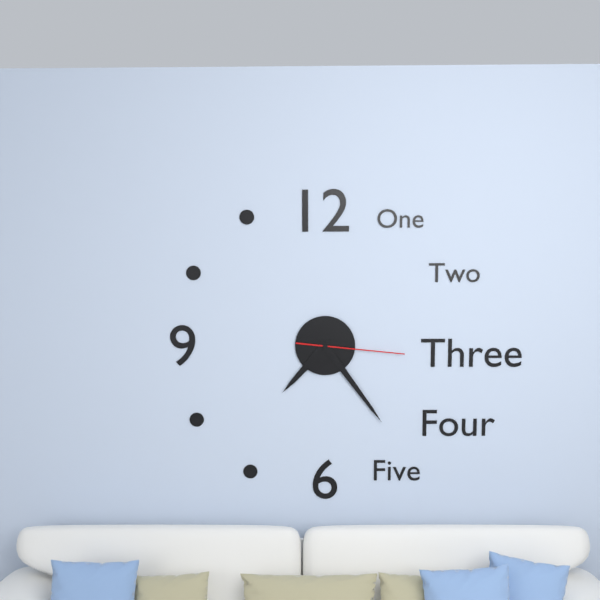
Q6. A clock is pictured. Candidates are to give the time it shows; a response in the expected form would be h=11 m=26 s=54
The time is h=7 m=24 s=16
